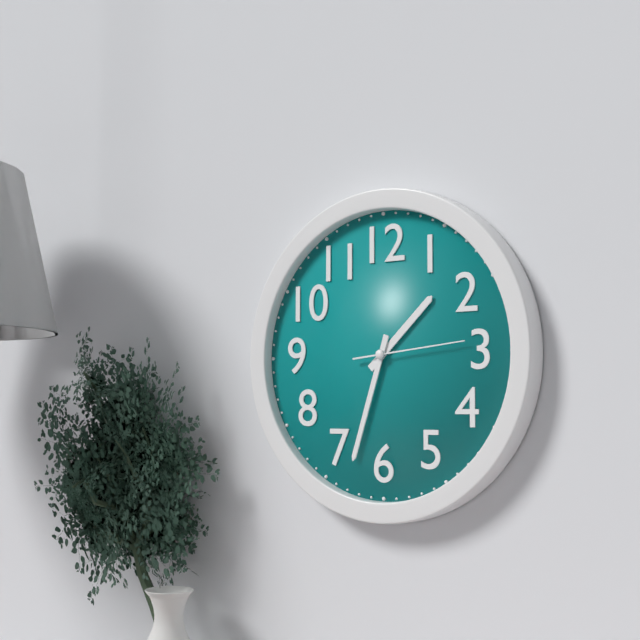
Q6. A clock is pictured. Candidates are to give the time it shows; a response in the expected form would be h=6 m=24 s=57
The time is h=1 m=33 s=14
